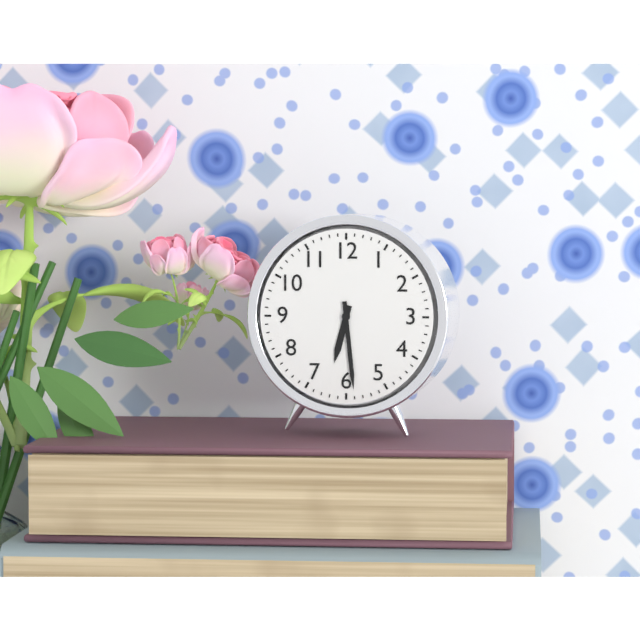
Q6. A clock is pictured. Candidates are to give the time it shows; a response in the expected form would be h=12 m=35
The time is h=6 m=29
